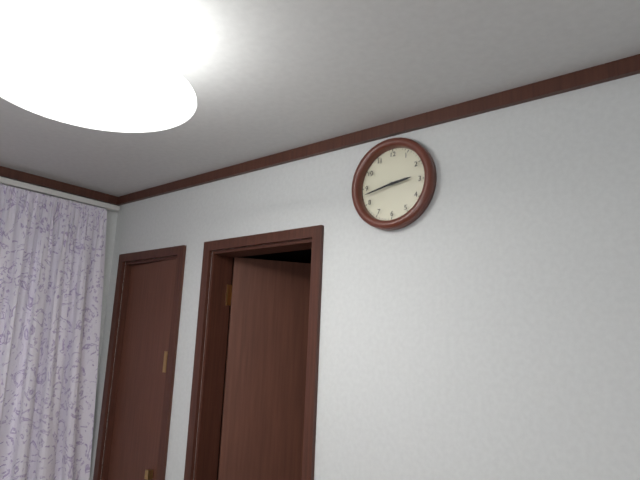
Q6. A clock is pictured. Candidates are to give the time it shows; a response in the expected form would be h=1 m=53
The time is h=2 m=43
